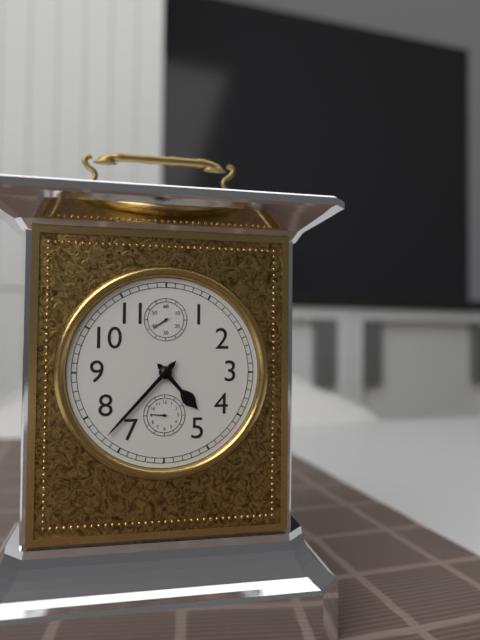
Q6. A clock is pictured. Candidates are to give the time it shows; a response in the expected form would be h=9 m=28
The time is h=4 m=37
